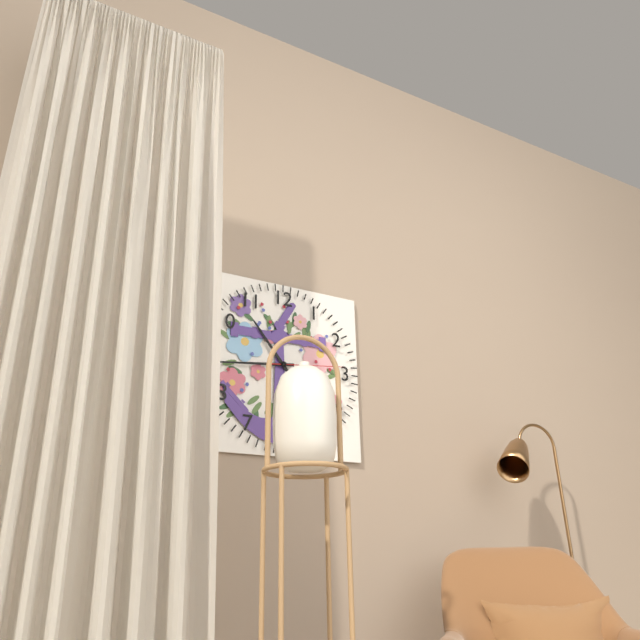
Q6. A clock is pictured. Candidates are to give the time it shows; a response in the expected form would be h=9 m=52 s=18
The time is h=10 m=44 s=14
